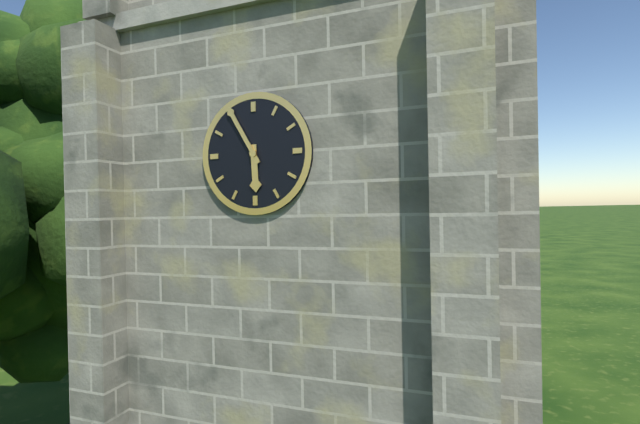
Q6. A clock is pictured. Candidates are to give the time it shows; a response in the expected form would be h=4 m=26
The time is h=5 m=55
